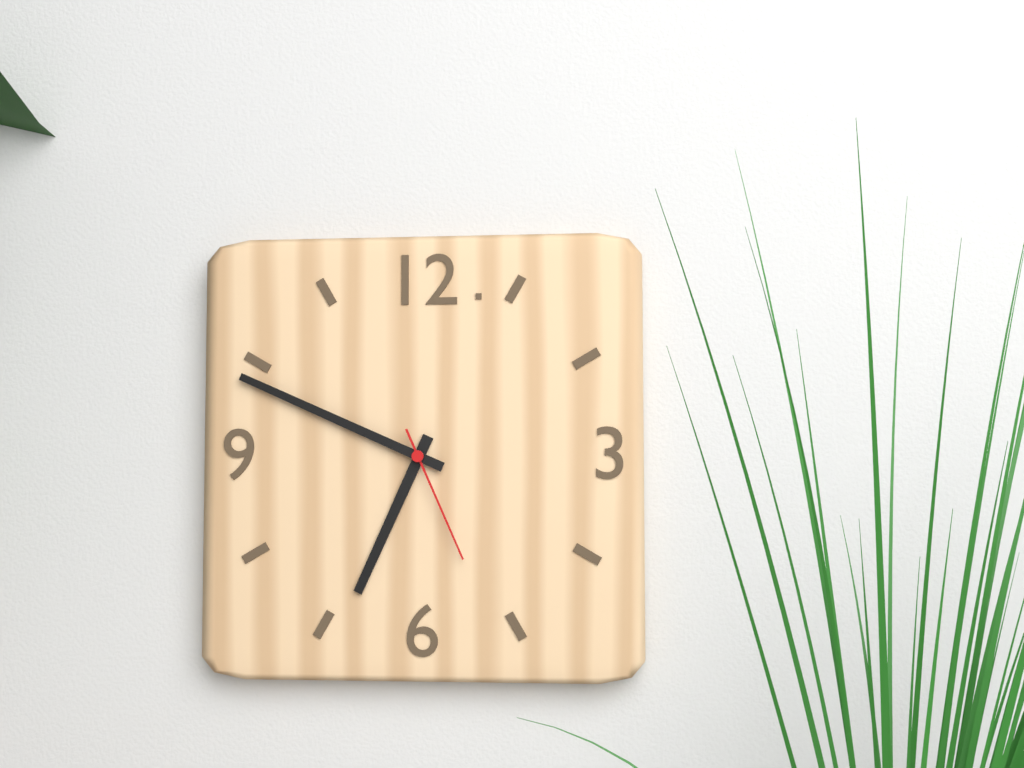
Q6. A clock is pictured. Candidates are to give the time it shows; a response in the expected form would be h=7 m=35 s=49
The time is h=6 m=49 s=26
